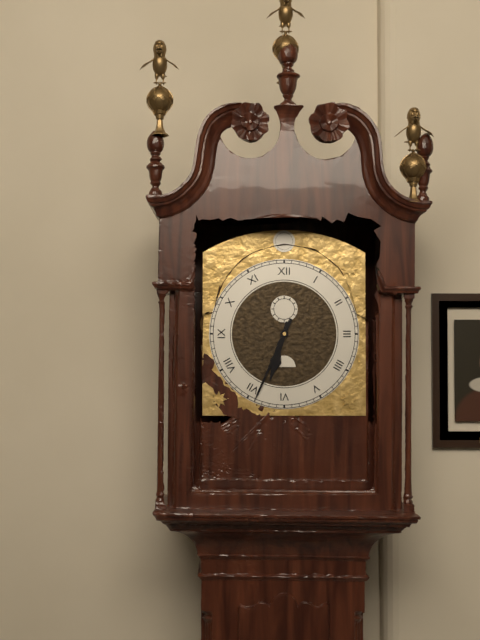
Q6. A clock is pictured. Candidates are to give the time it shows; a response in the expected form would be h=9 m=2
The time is h=6 m=34
